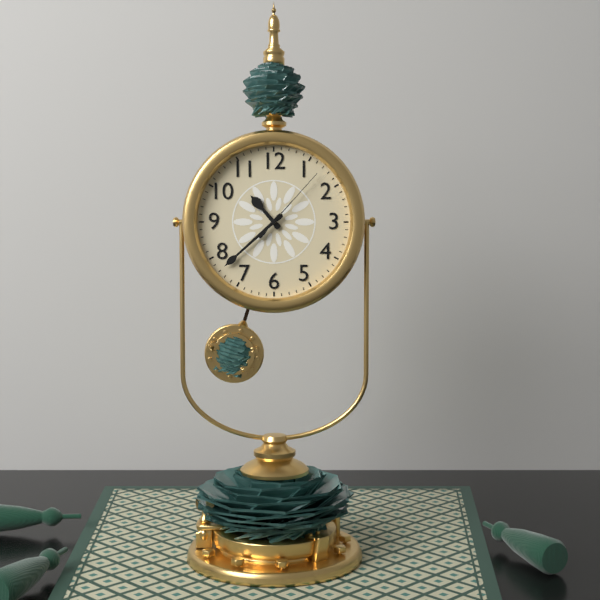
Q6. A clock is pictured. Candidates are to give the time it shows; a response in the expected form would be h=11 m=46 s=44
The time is h=10 m=38 s=7
